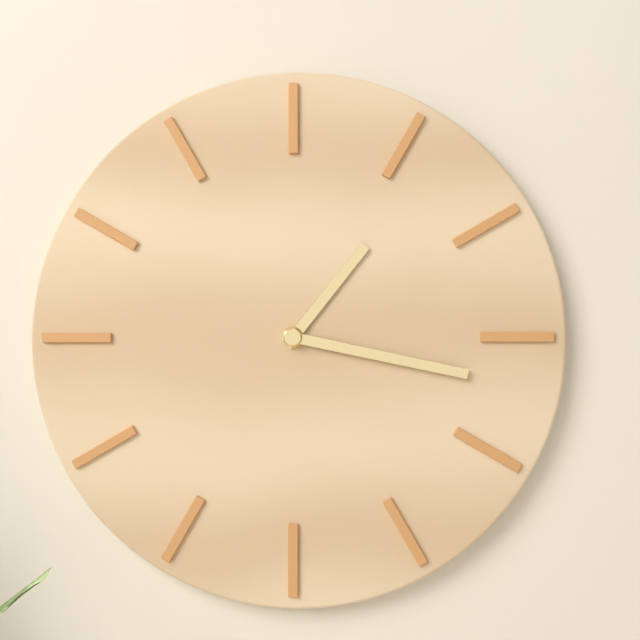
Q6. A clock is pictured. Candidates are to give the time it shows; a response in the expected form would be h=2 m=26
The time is h=1 m=17
